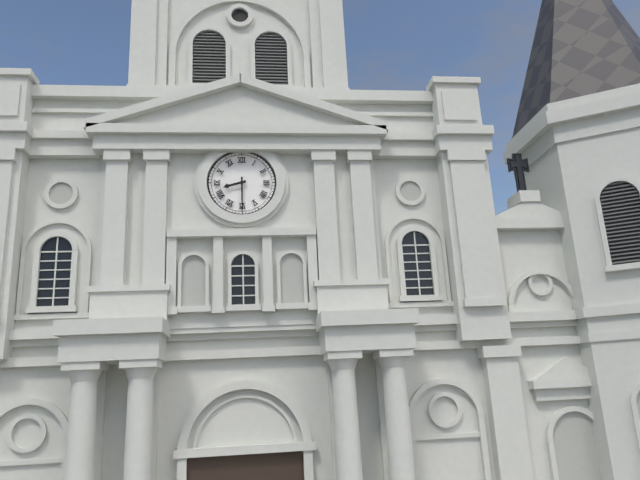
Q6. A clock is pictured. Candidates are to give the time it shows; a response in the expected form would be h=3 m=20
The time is h=8 m=30
